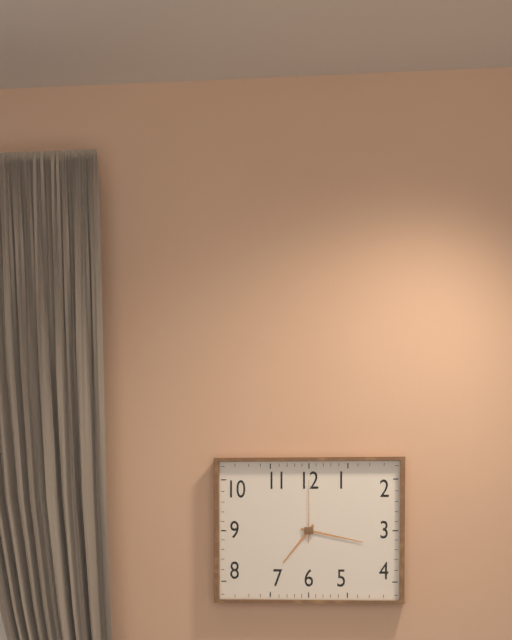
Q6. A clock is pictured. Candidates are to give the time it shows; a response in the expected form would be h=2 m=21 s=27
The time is h=7 m=17 s=0
